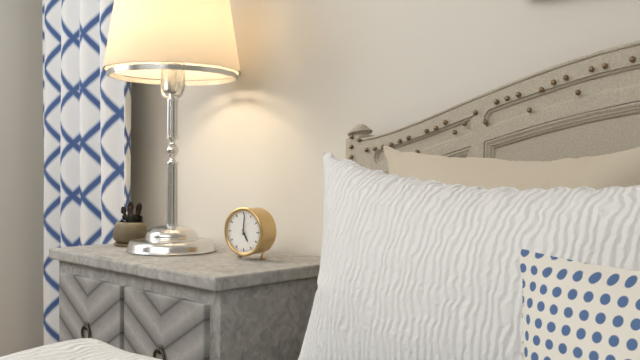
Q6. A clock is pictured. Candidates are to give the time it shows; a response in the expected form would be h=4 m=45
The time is h=5 m=1
